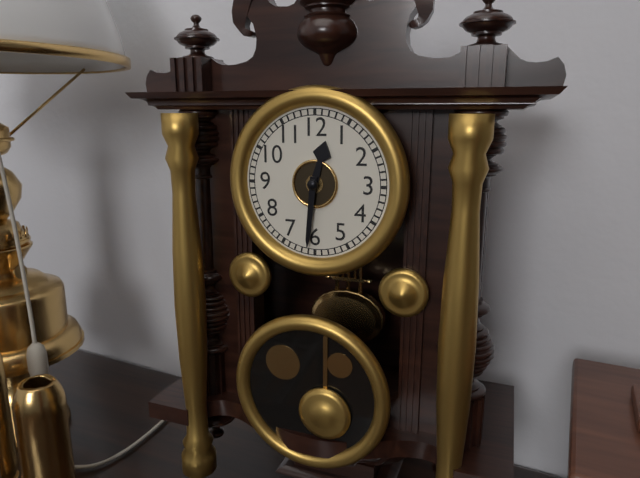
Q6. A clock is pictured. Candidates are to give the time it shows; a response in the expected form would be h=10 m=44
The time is h=12 m=31
